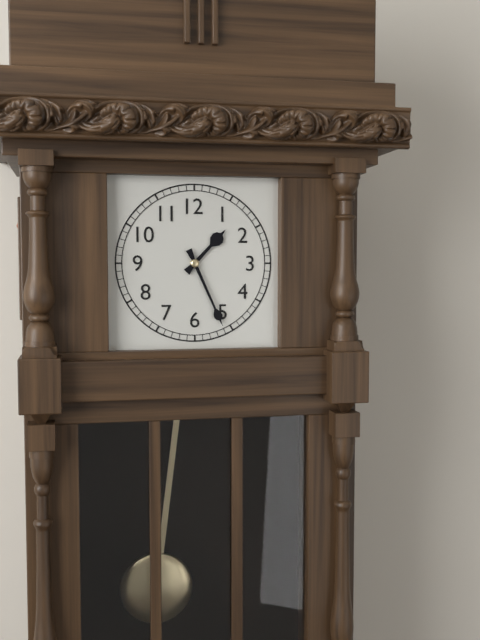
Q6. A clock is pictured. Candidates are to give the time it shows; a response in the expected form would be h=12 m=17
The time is h=1 m=26
